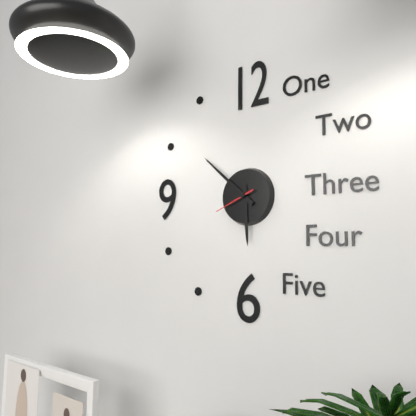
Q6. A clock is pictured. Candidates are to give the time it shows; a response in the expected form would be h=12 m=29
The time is h=5 m=52
